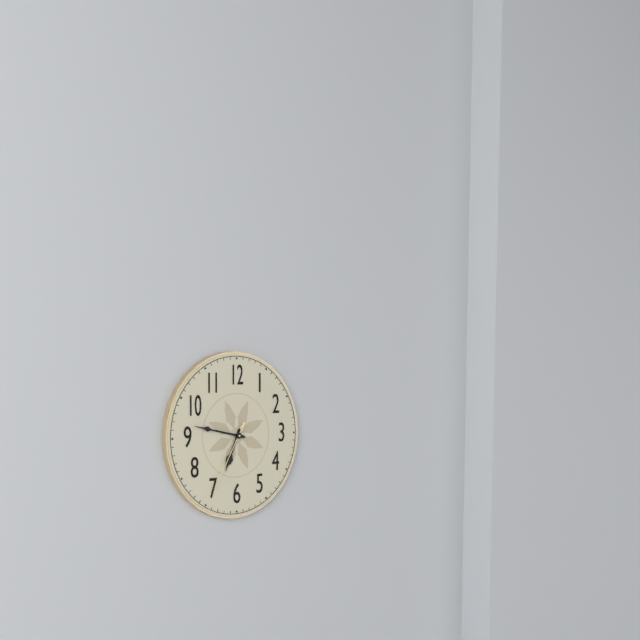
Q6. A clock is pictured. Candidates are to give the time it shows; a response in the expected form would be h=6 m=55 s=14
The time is h=6 m=47 s=35
